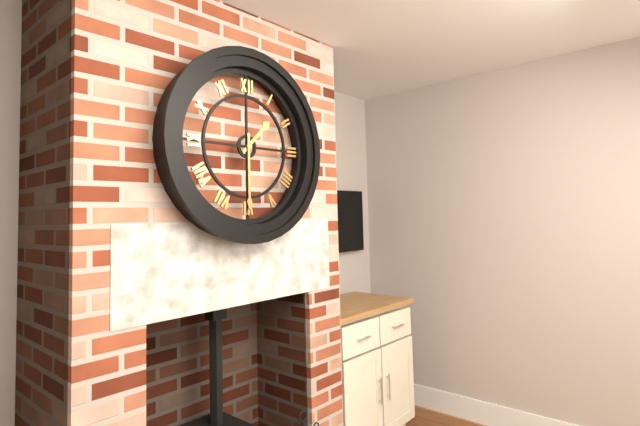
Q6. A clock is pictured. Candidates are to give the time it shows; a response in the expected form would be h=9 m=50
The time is h=1 m=30
